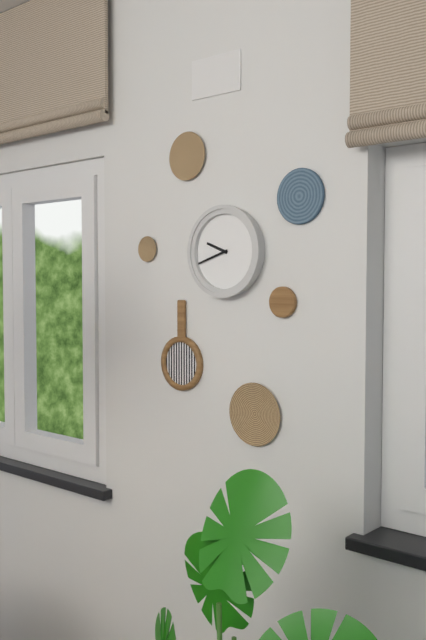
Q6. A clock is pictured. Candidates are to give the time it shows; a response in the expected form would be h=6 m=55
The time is h=9 m=42
